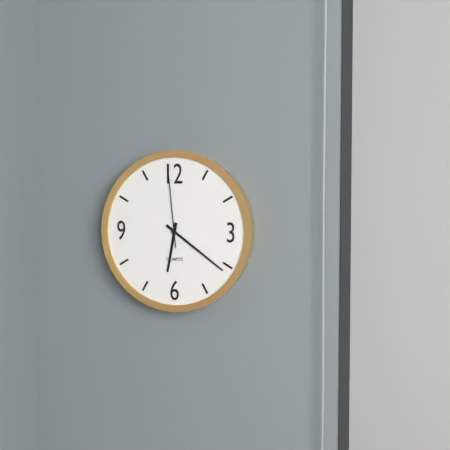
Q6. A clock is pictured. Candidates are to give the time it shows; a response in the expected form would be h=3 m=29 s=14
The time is h=6 m=21 s=59
